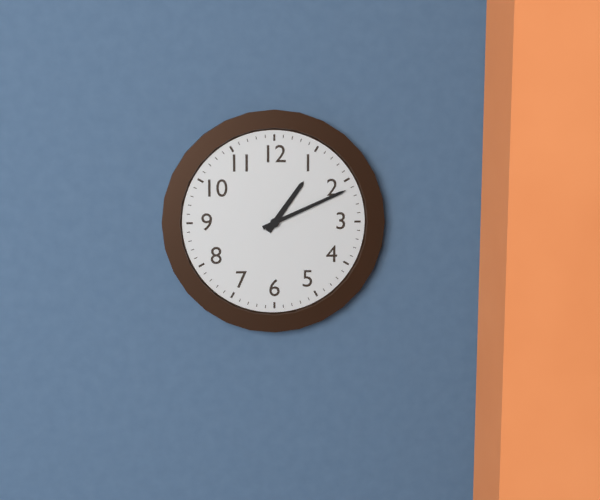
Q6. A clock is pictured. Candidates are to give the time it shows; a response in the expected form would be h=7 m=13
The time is h=1 m=11
